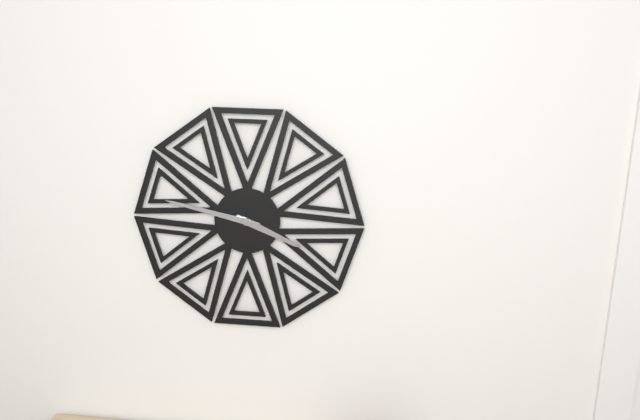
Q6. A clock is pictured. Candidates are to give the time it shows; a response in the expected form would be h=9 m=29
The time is h=3 m=47
